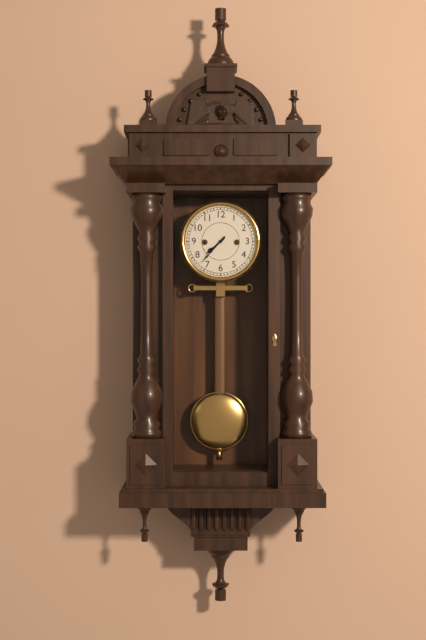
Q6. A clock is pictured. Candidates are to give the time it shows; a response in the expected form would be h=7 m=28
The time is h=7 m=37
